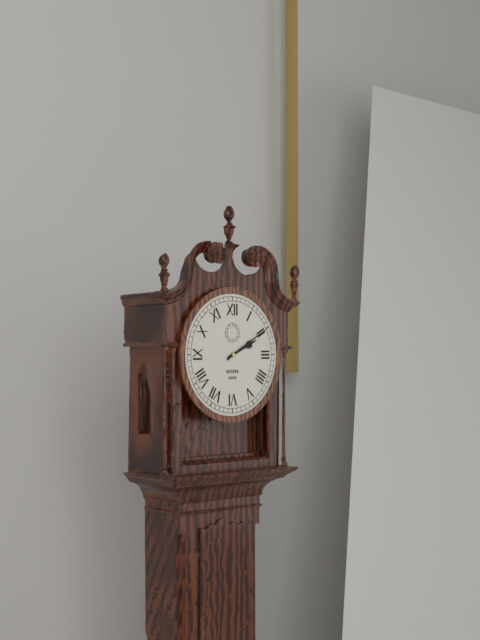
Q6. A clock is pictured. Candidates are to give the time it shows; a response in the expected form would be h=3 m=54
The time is h=2 m=10
